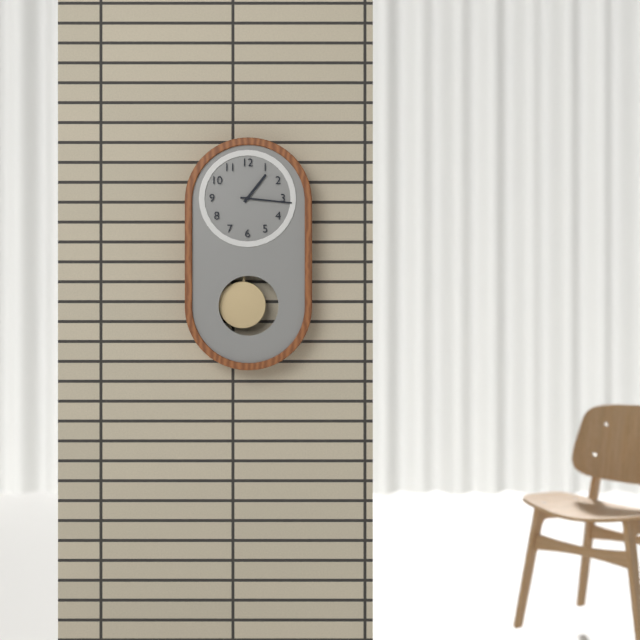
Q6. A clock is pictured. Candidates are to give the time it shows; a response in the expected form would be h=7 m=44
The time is h=1 m=16
